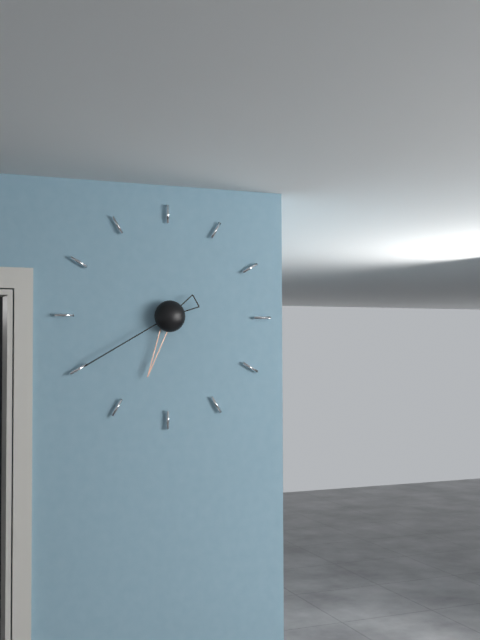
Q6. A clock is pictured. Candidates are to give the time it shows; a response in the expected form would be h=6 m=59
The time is h=6 m=40
